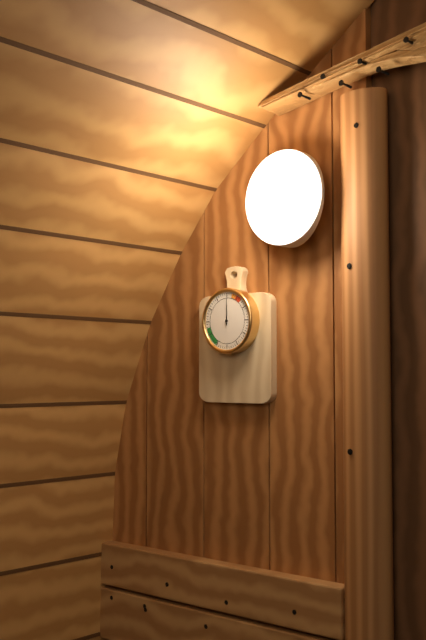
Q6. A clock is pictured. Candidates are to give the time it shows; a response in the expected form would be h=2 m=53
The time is h=12 m=0
